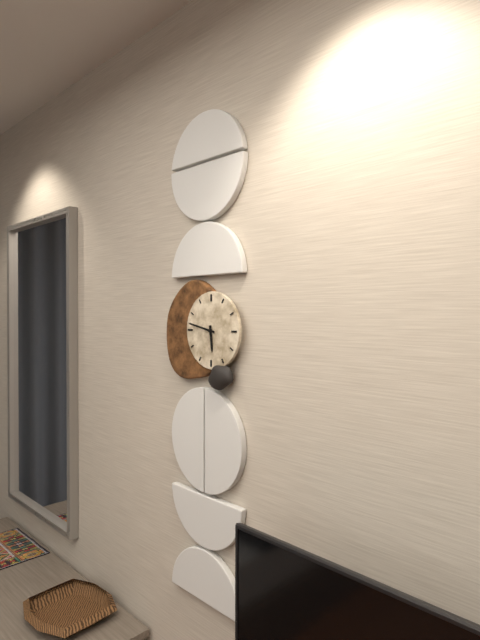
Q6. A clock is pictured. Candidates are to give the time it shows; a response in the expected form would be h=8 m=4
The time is h=5 m=47
